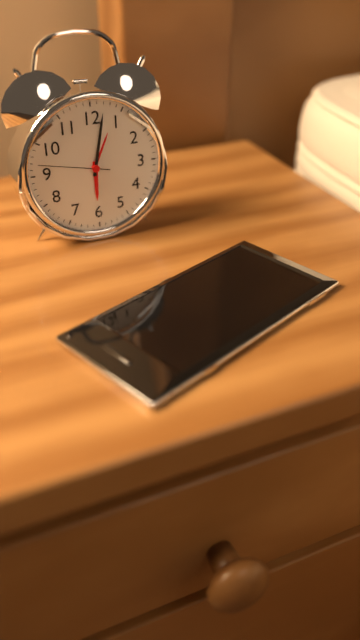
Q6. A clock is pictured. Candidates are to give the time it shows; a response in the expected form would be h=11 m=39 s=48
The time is h=6 m=2 s=47
